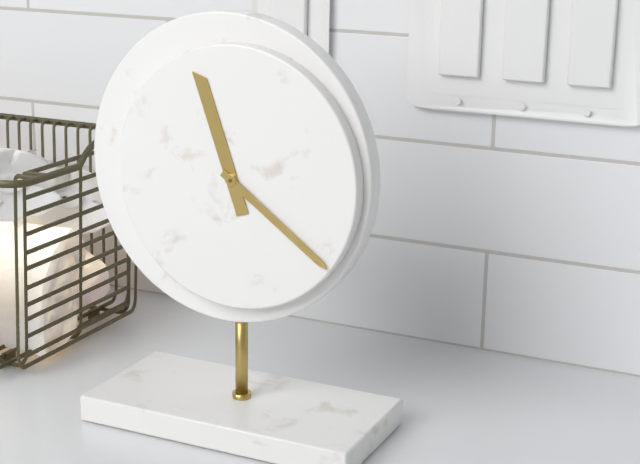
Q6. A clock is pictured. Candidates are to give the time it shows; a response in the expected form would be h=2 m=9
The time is h=11 m=21
